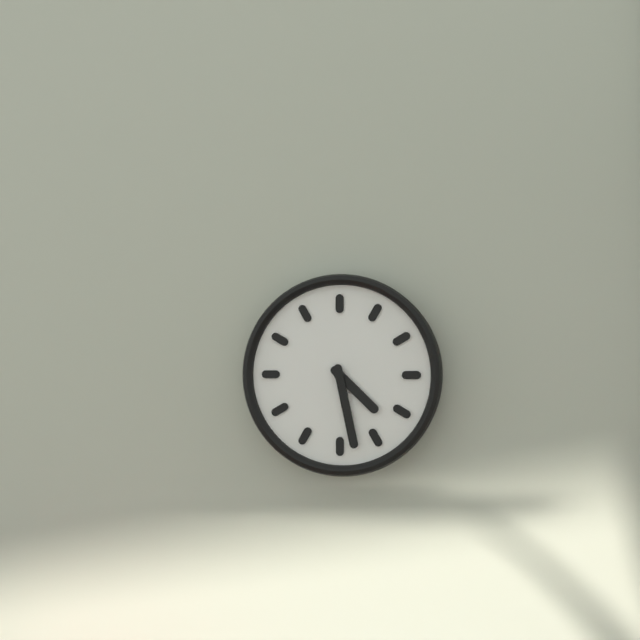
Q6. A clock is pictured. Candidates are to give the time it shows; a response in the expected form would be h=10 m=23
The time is h=4 m=28
